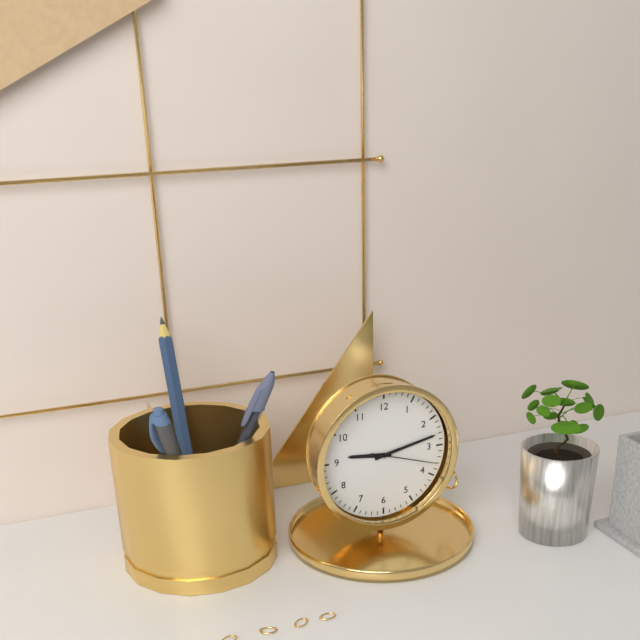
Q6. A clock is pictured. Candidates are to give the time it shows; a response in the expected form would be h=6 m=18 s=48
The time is h=9 m=13 s=18
